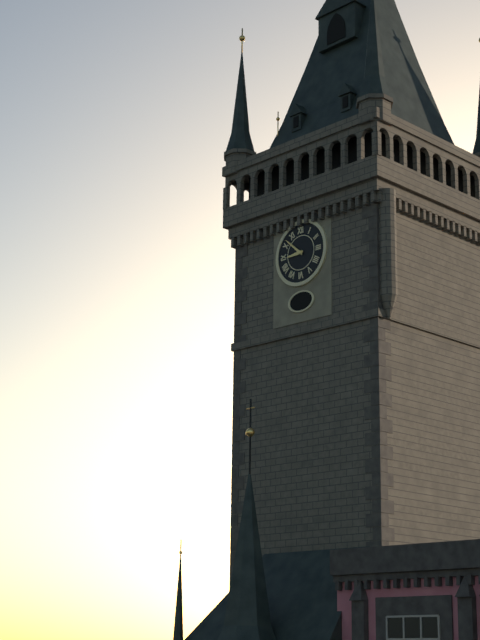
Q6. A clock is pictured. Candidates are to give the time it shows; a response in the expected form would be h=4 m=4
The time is h=8 m=52
